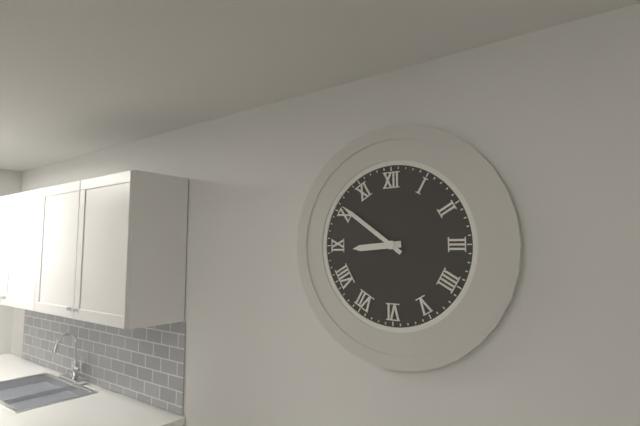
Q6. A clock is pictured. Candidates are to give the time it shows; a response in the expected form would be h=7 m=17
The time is h=8 m=51
